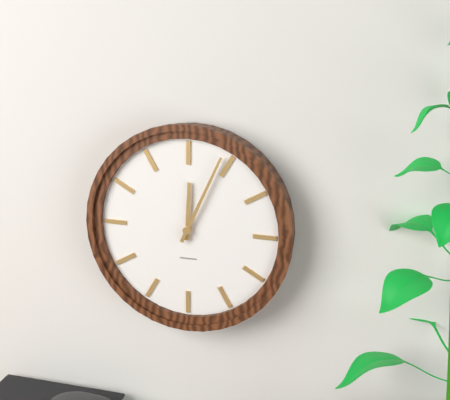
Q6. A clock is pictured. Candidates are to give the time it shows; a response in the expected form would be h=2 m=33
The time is h=12 m=4
